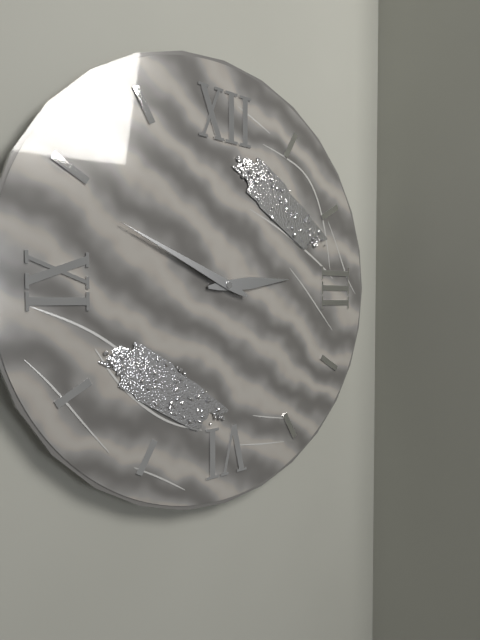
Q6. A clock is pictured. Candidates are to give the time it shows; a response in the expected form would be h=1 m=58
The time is h=2 m=49
